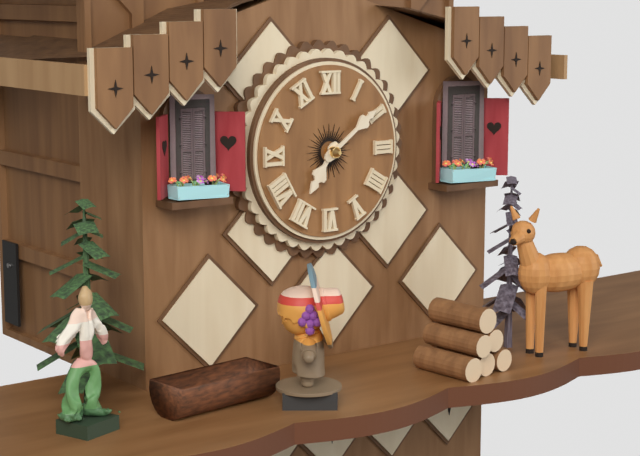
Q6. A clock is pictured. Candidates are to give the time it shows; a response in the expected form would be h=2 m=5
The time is h=7 m=9
